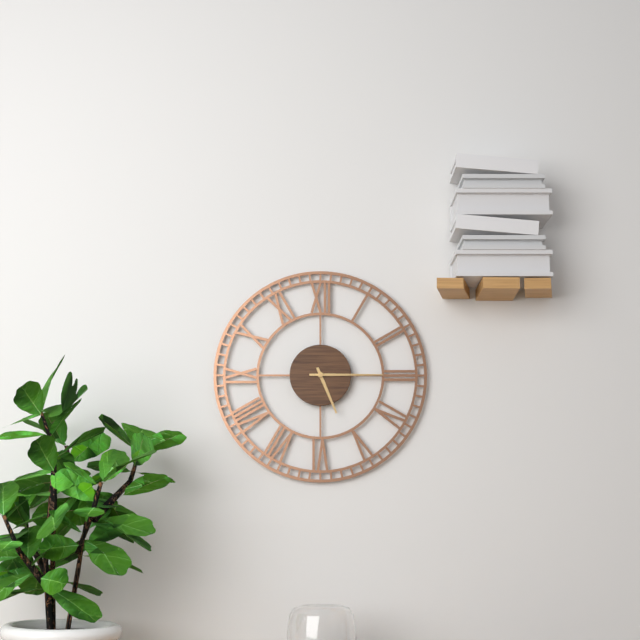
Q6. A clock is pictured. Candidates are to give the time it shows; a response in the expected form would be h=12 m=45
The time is h=5 m=15
